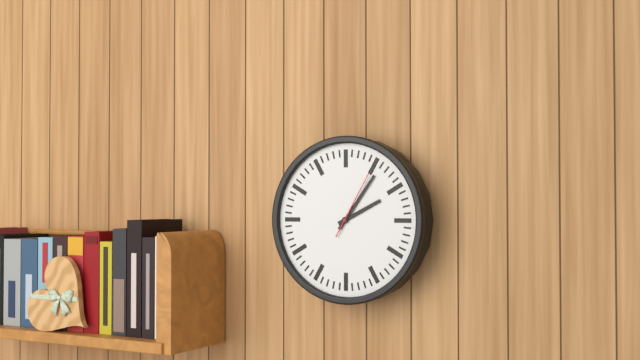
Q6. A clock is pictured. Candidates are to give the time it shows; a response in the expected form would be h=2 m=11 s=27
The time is h=2 m=6 s=5
